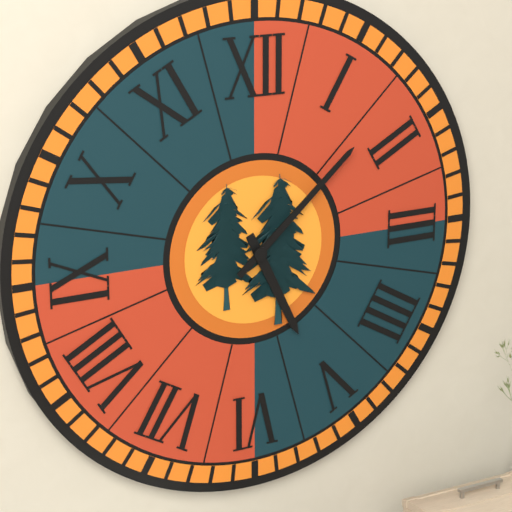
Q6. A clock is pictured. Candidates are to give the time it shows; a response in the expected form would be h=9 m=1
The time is h=5 m=8
